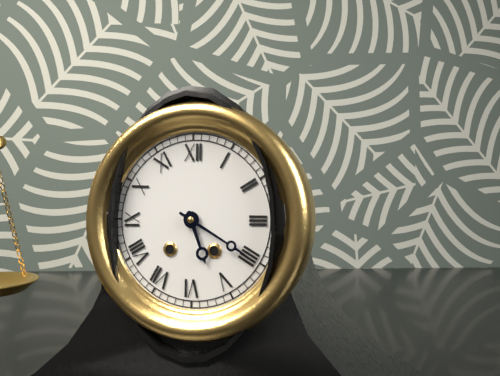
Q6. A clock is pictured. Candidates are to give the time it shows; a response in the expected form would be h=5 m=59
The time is h=5 m=20
